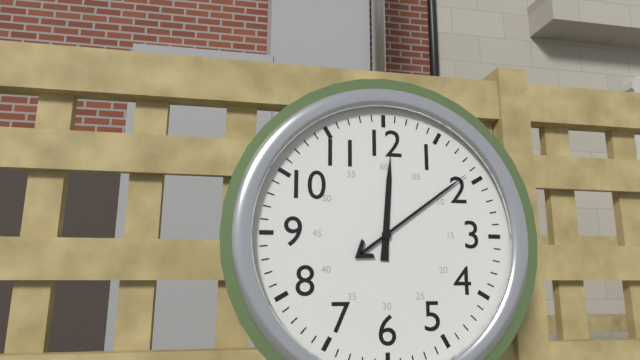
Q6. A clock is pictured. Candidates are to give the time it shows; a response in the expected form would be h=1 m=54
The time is h=12 m=9
